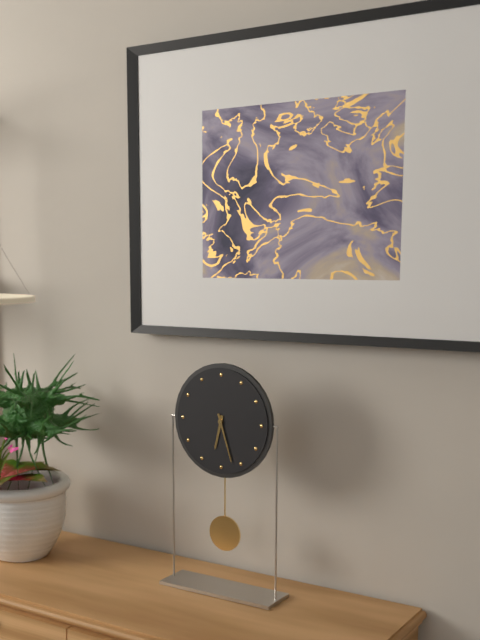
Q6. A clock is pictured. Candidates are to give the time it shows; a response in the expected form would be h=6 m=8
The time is h=6 m=27
